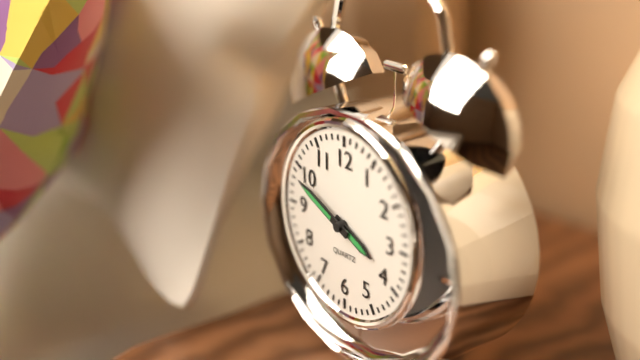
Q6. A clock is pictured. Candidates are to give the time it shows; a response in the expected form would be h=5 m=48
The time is h=3 m=49
